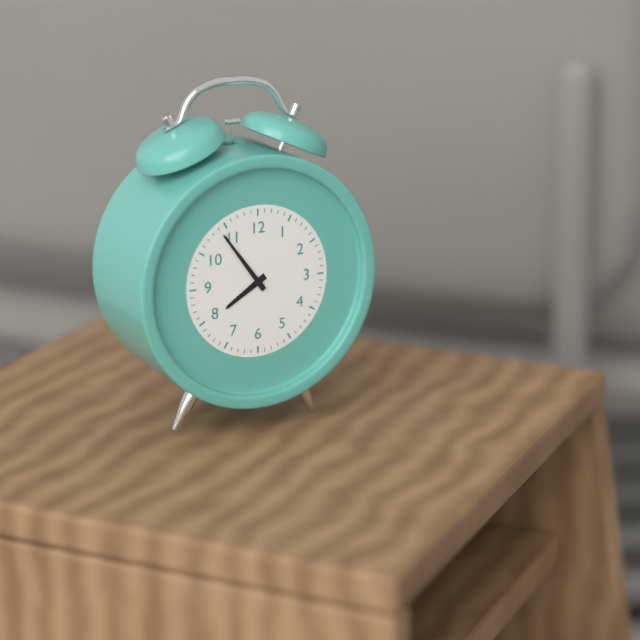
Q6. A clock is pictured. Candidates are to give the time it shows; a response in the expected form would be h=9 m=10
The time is h=7 m=54
